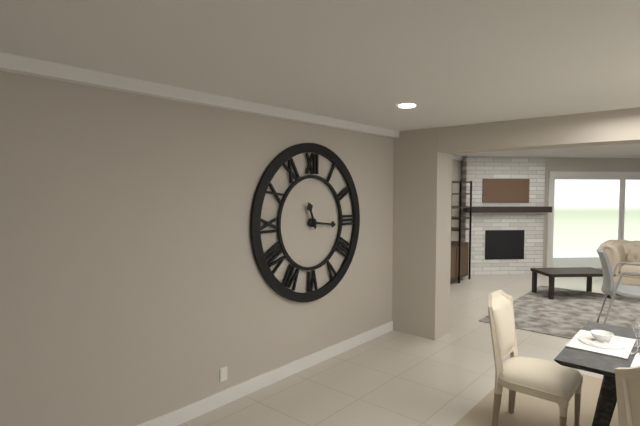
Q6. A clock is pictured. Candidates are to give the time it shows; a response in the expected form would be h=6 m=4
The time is h=11 m=16
